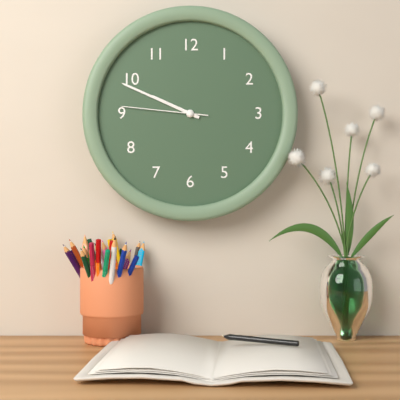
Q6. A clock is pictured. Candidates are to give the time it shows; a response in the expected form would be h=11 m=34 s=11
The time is h=9 m=49 s=46
